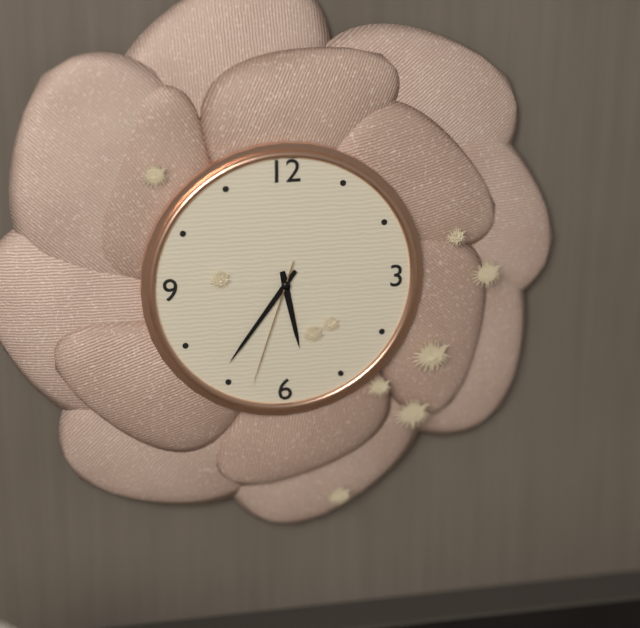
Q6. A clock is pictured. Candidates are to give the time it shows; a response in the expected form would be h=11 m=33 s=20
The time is h=5 m=36 s=33
